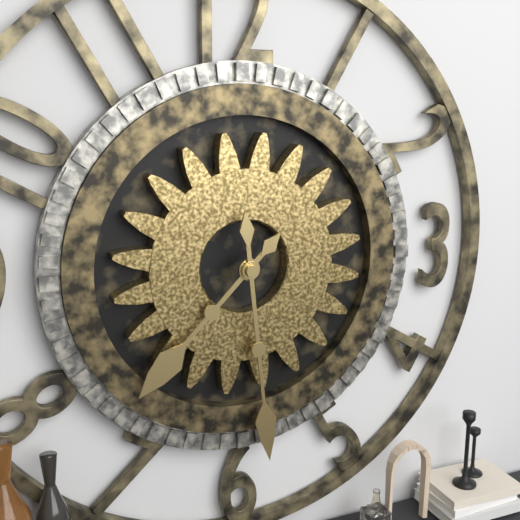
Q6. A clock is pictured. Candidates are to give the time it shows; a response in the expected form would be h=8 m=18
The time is h=7 m=29
